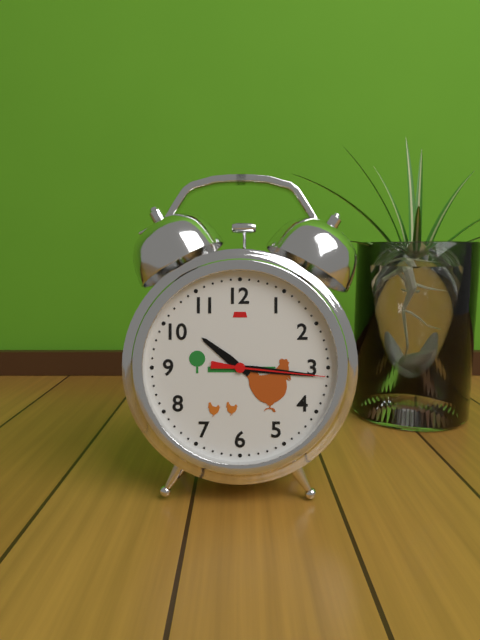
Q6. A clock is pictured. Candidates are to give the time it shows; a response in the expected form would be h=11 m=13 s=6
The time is h=10 m=16 s=16
